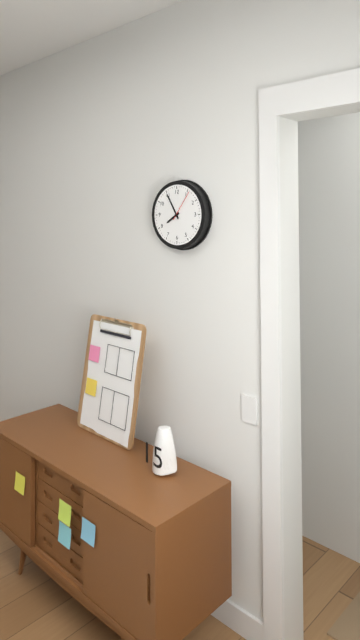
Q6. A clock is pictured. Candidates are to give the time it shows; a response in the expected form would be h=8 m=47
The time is h=7 m=55
